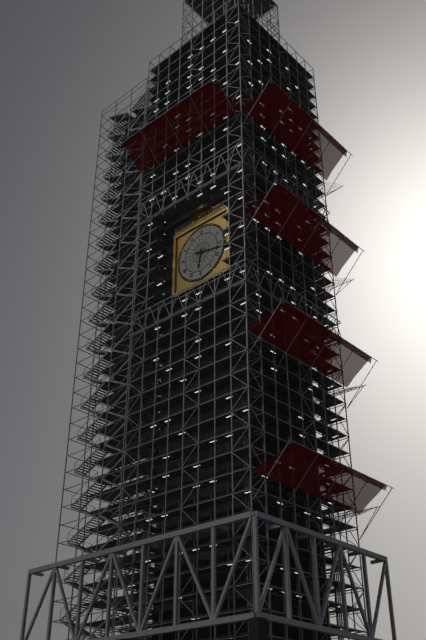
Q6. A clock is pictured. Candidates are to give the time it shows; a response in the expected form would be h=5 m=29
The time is h=6 m=17
